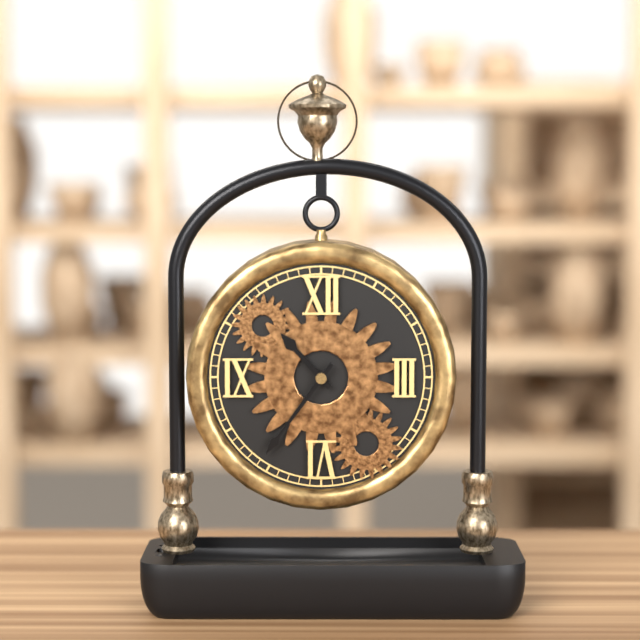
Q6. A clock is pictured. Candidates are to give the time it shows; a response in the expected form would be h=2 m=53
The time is h=10 m=36
